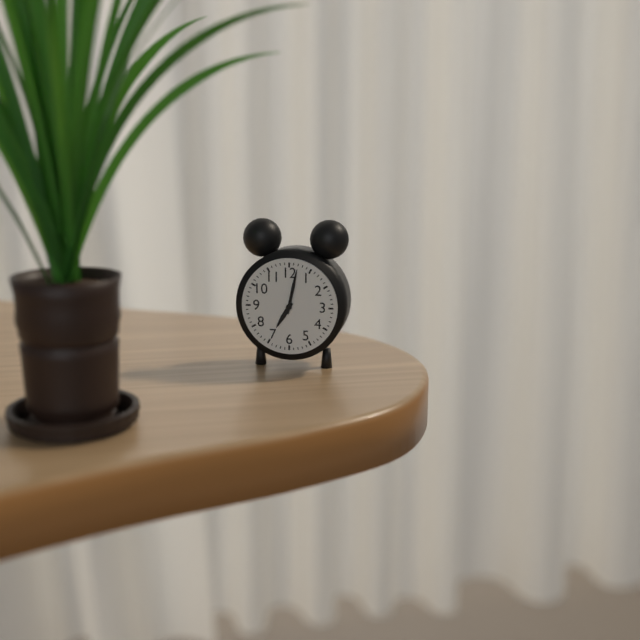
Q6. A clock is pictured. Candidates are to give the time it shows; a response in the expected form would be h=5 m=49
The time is h=7 m=2
